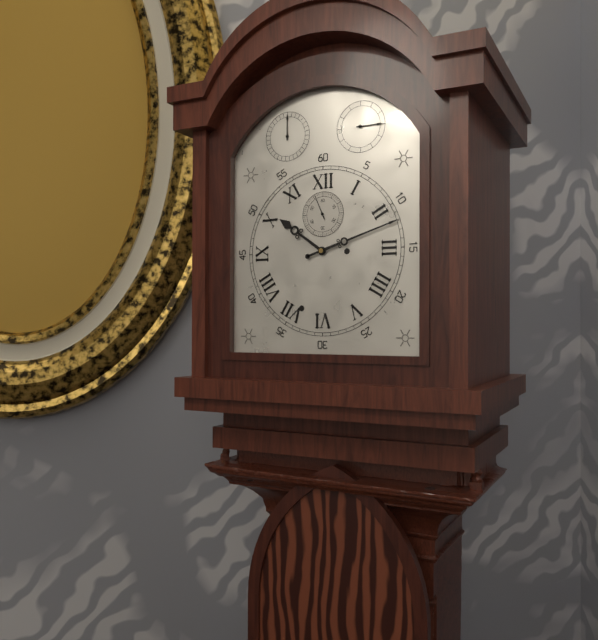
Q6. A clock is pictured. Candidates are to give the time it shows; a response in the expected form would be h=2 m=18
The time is h=10 m=12
